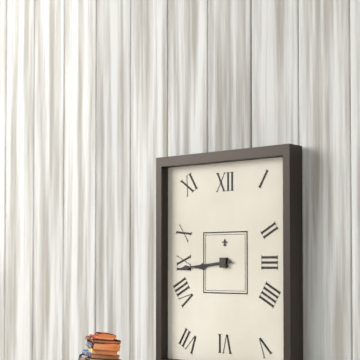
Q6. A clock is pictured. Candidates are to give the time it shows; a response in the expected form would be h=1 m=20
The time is h=8 m=44
